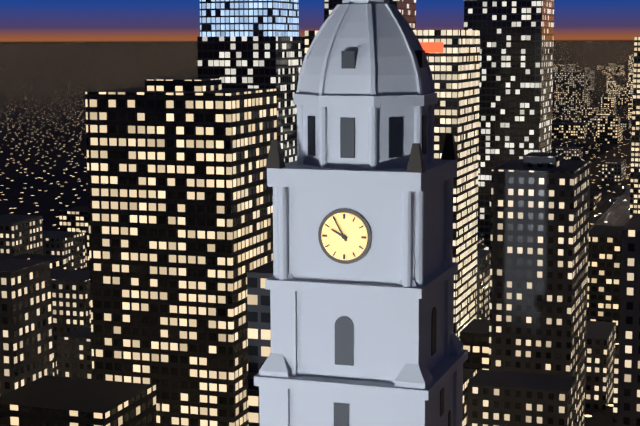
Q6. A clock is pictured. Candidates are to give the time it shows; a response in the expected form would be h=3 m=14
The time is h=9 m=55
